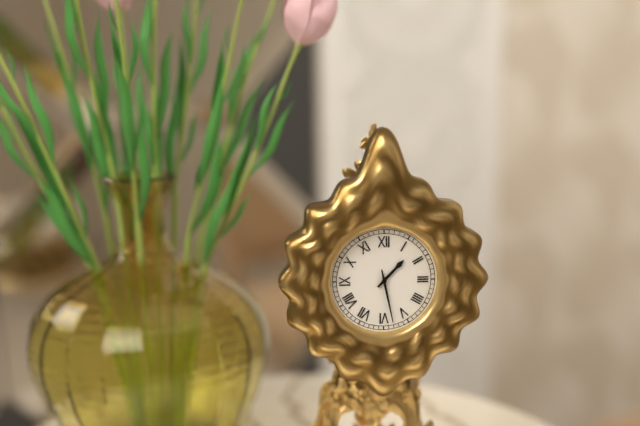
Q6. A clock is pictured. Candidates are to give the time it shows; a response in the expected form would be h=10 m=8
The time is h=1 m=28
